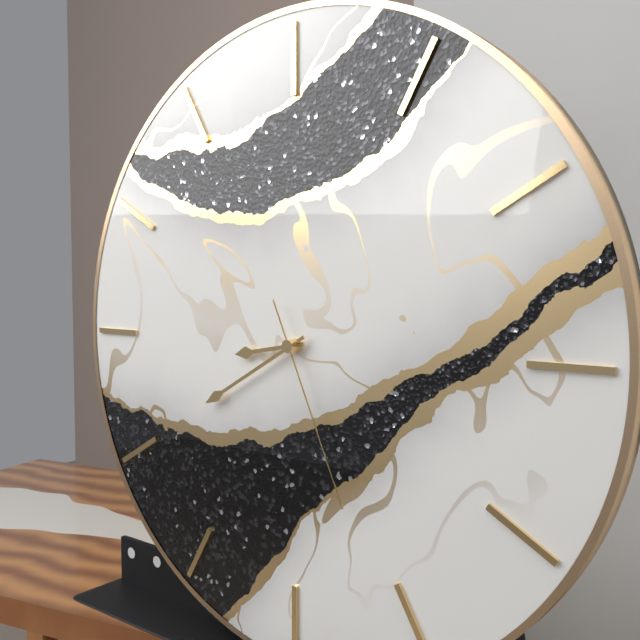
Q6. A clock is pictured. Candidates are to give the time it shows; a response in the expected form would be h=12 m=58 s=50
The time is h=8 m=40 s=26
